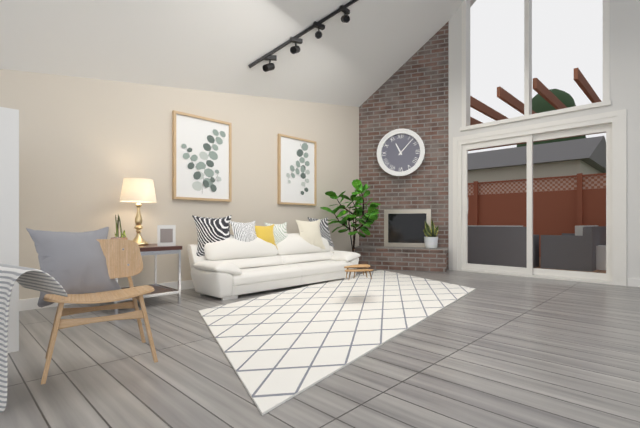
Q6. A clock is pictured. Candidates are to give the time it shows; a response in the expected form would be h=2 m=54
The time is h=11 m=7
